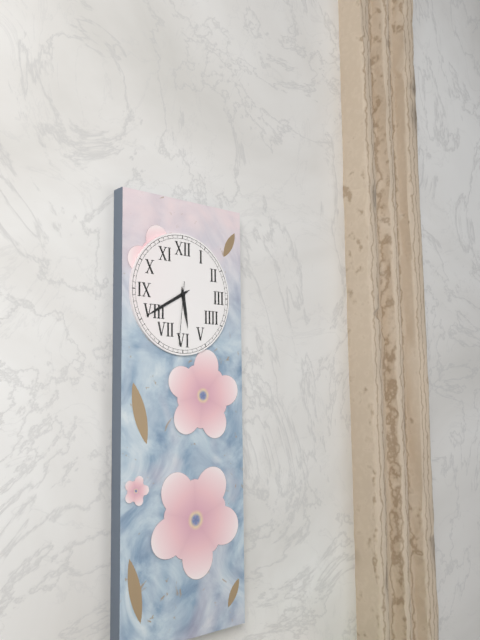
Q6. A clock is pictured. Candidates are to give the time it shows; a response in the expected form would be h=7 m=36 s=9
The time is h=5 m=40 s=31
